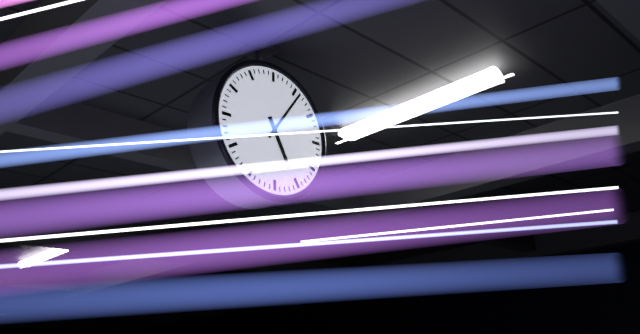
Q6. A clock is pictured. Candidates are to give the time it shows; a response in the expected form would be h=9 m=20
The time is h=5 m=6
